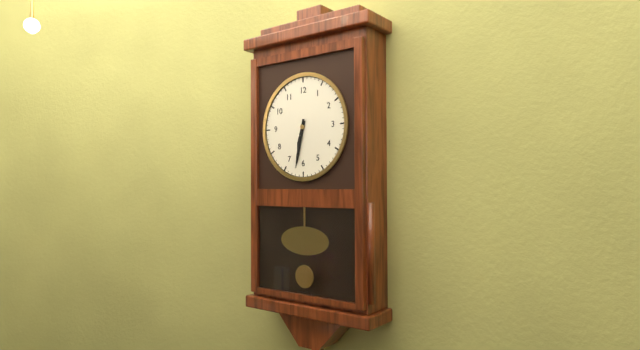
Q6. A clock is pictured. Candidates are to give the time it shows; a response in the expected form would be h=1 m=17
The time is h=6 m=32
